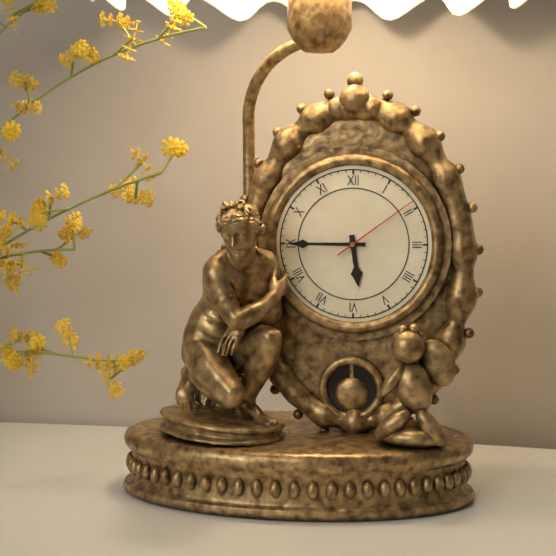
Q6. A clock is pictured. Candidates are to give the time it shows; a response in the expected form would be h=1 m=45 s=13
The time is h=5 m=45 s=9
